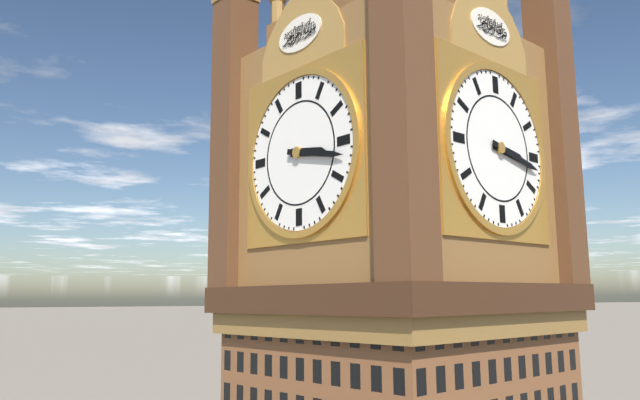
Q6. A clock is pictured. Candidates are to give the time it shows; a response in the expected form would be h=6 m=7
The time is h=3 m=17
